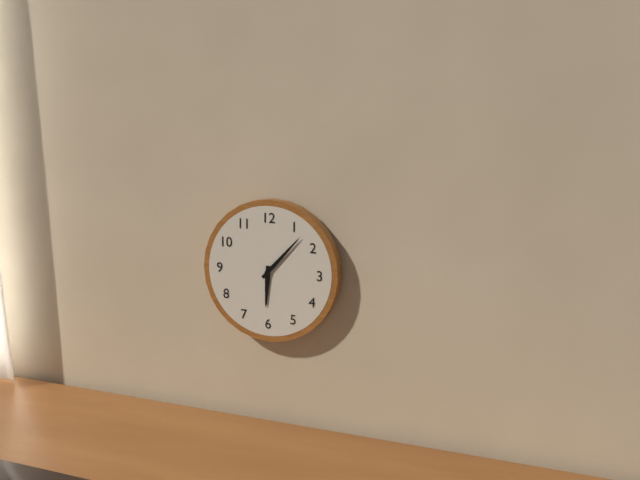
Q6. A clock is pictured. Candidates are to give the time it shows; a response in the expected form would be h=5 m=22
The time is h=6 m=7
